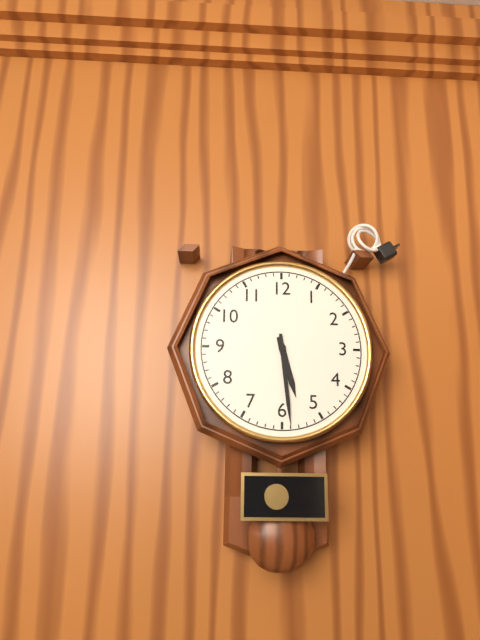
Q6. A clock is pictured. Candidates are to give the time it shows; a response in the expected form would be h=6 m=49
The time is h=5 m=29
